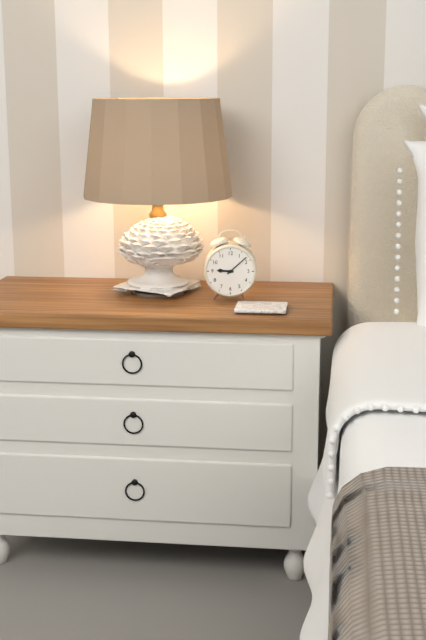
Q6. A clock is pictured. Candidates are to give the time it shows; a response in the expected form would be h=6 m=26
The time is h=9 m=8
